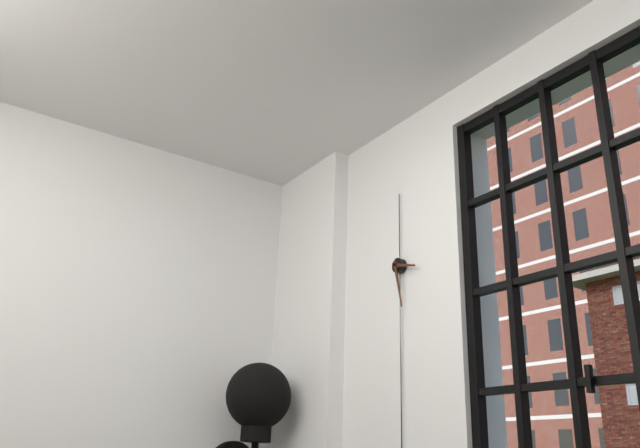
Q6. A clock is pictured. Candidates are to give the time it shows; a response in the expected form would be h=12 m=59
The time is h=3 m=28
